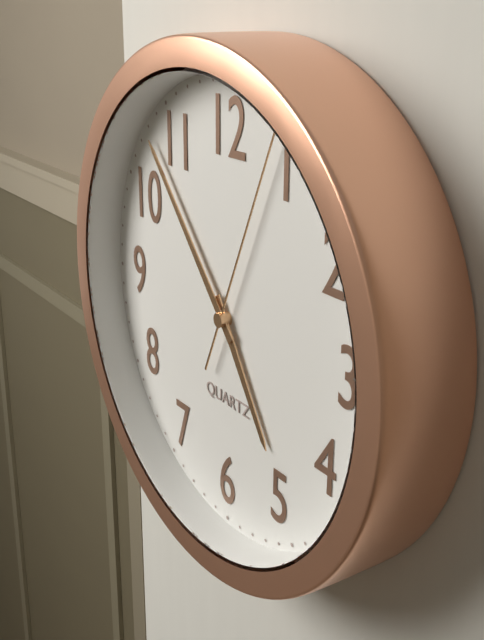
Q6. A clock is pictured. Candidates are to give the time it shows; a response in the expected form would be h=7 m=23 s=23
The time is h=4 m=53 s=4
